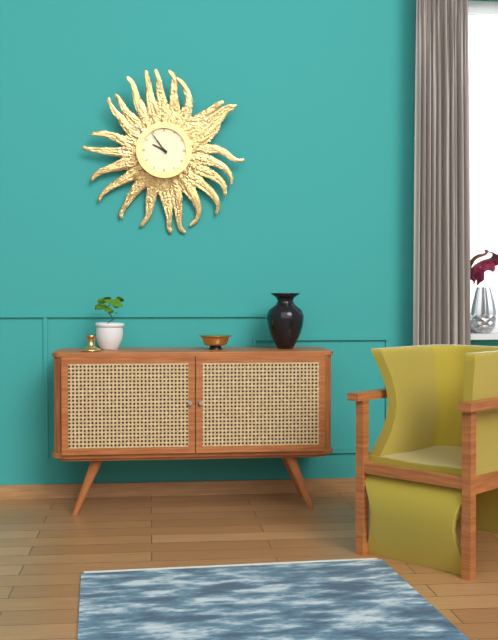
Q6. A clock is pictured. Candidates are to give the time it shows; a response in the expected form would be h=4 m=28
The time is h=9 m=54
